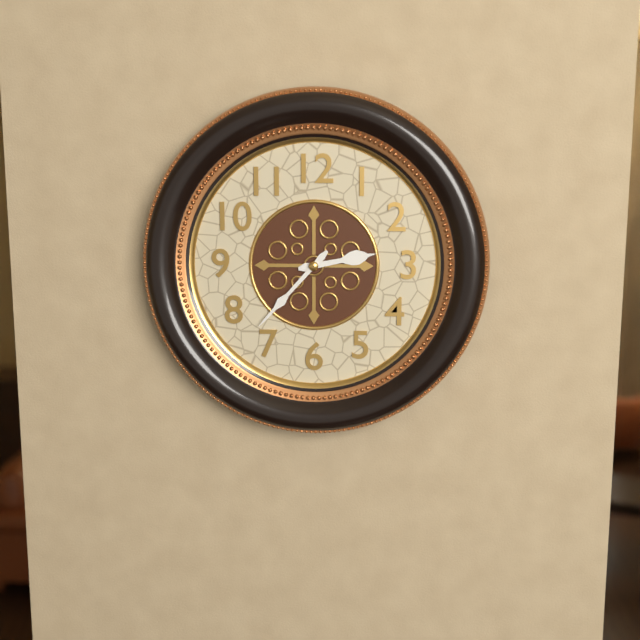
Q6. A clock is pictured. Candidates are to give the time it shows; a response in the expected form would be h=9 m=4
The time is h=2 m=37
